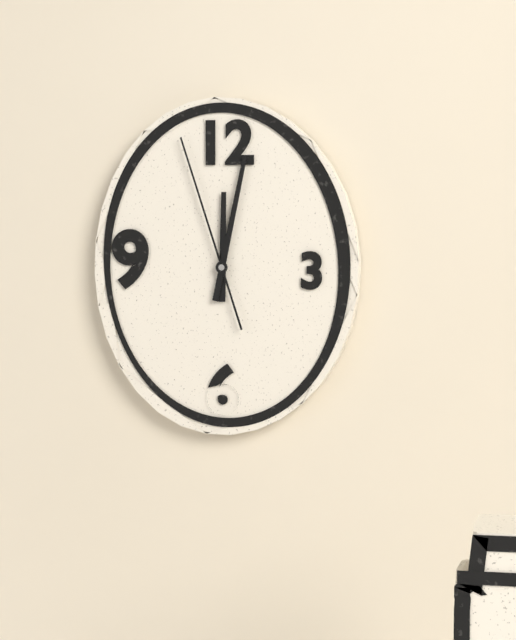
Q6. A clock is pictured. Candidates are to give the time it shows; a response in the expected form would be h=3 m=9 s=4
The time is h=12 m=2 s=57
